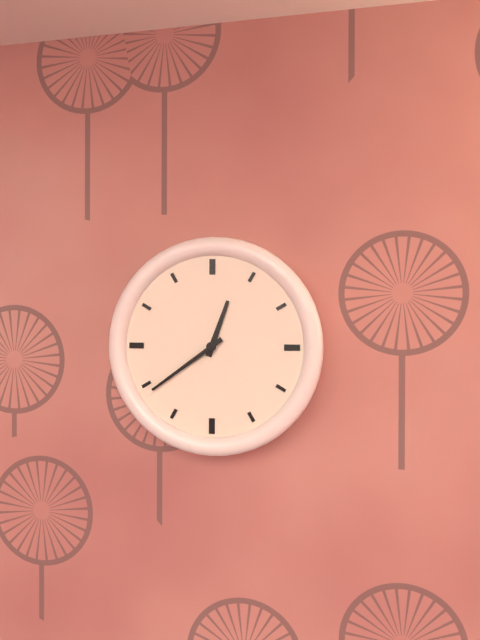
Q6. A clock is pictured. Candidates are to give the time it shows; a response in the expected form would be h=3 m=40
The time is h=12 m=39
